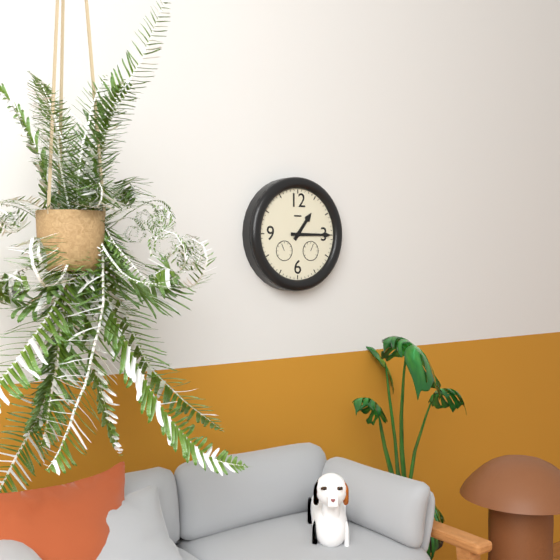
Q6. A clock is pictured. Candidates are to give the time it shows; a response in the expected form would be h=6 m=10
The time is h=1 m=15
